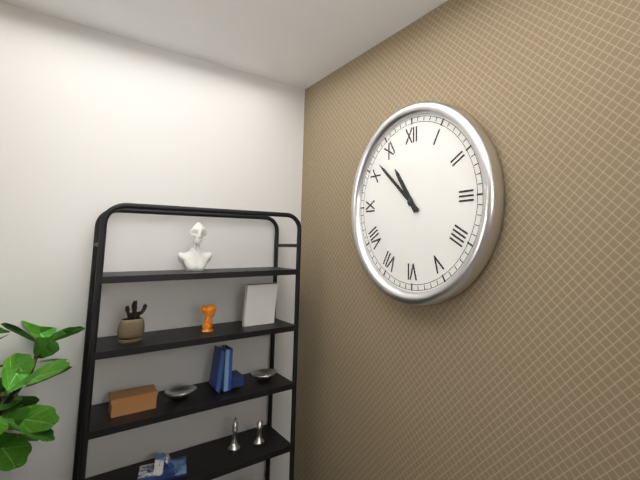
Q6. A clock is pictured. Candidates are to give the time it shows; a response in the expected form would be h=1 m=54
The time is h=10 m=52
